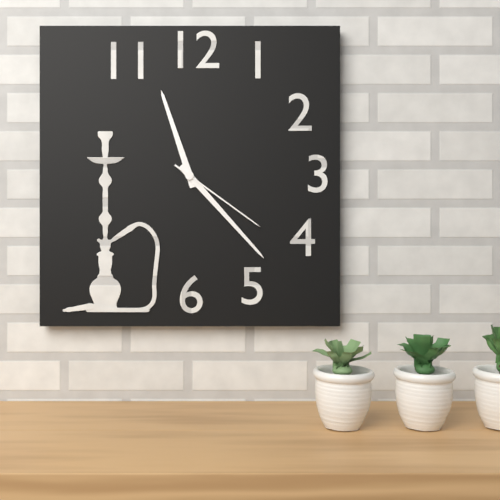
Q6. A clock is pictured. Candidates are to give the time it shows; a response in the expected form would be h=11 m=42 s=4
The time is h=11 m=23 s=21
